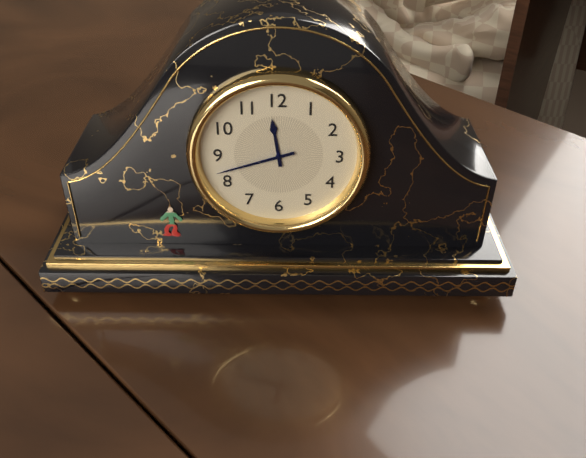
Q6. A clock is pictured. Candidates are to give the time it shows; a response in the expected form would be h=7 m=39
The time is h=11 m=42
